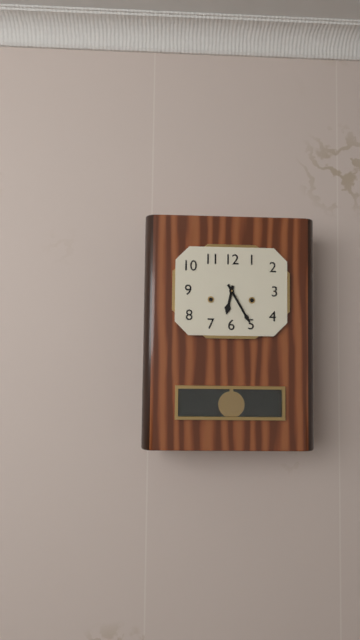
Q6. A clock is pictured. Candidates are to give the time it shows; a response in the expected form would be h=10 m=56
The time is h=6 m=25
